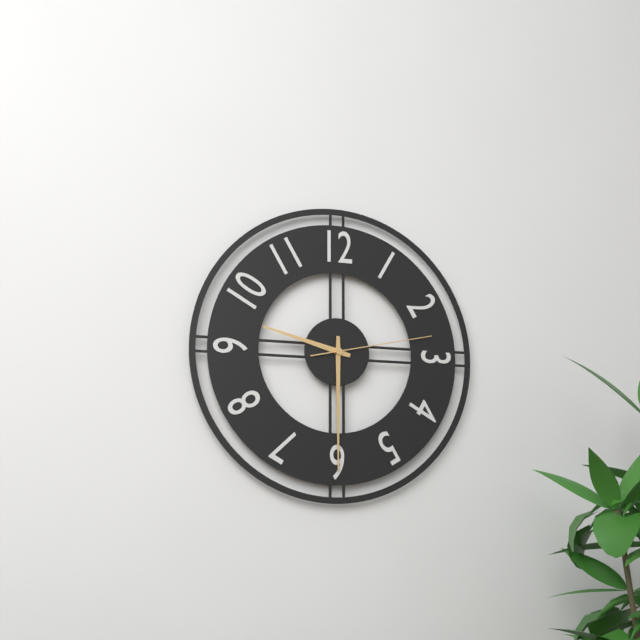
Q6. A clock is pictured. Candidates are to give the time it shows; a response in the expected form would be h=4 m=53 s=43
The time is h=9 m=30 s=13
